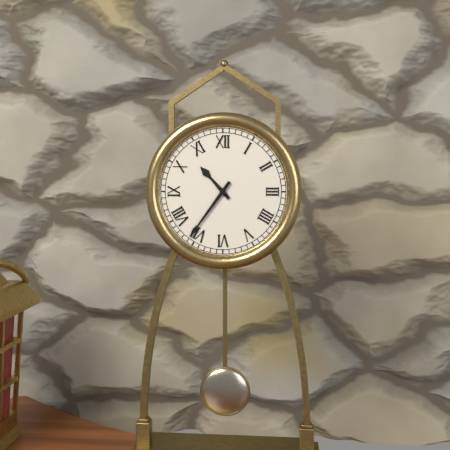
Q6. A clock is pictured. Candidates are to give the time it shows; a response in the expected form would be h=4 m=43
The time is h=10 m=36
